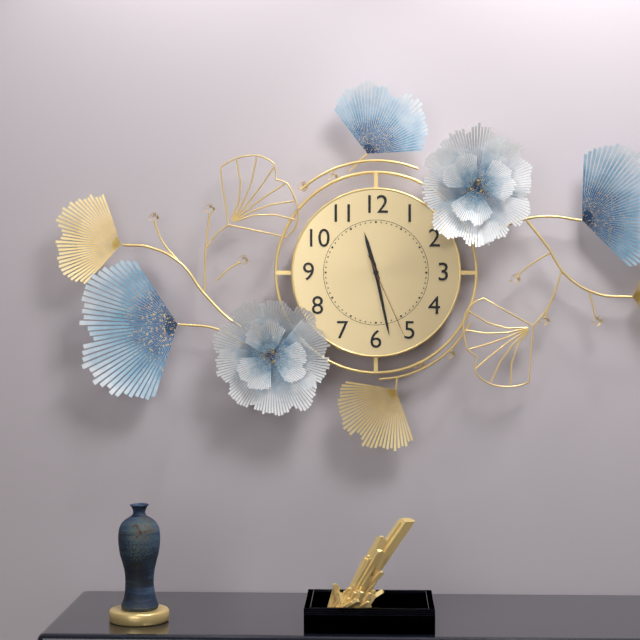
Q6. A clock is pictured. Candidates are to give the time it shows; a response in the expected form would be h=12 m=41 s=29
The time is h=11 m=28 s=26
